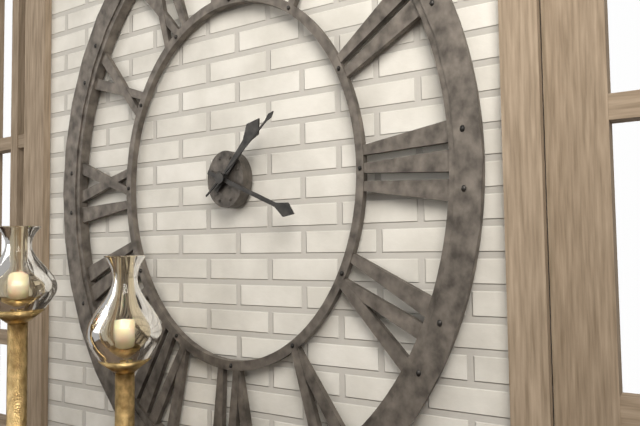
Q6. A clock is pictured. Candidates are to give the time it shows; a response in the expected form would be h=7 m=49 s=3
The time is h=1 m=19 s=8
